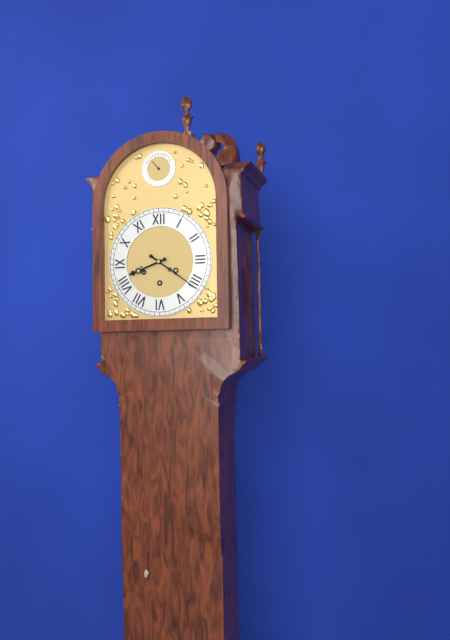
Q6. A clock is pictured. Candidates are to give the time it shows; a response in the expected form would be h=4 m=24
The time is h=8 m=21
